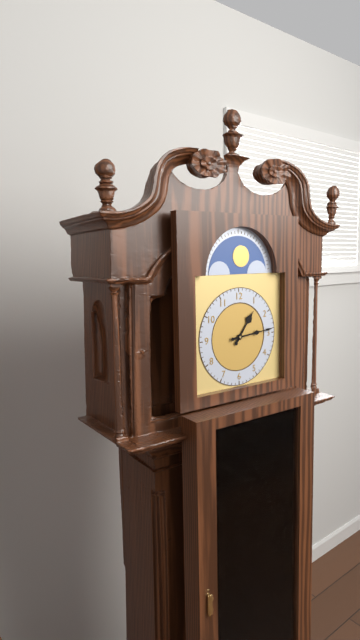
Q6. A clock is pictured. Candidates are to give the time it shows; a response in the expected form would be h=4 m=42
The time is h=1 m=14
